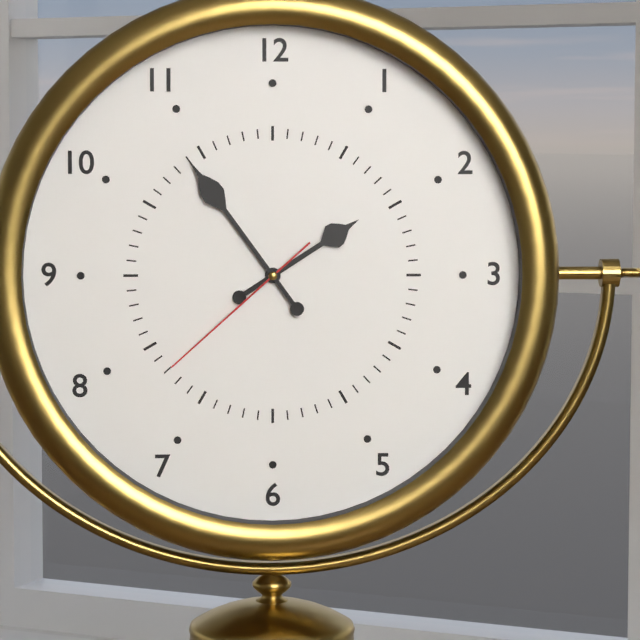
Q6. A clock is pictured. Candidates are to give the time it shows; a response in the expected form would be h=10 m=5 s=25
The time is h=1 m=54 s=38
